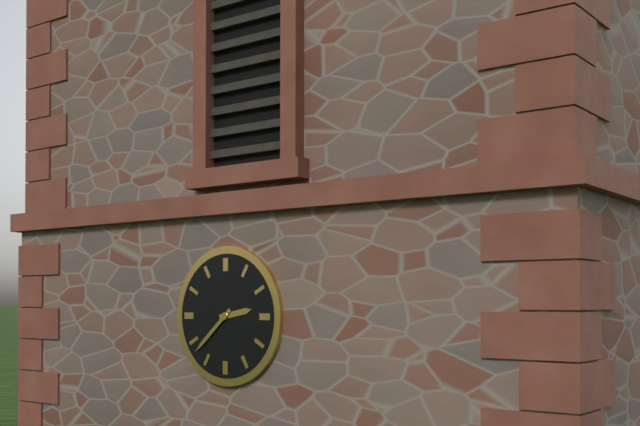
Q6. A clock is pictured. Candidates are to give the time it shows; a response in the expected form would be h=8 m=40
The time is h=2 m=38
